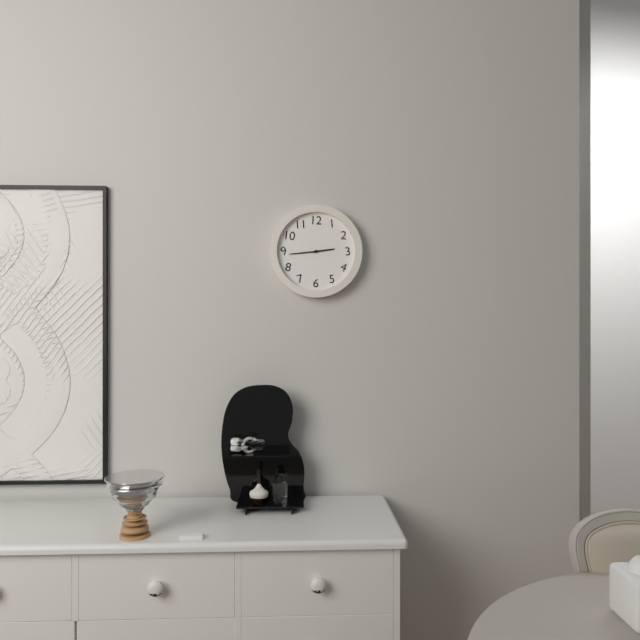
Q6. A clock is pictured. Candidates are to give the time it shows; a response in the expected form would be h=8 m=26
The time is h=2 m=44
